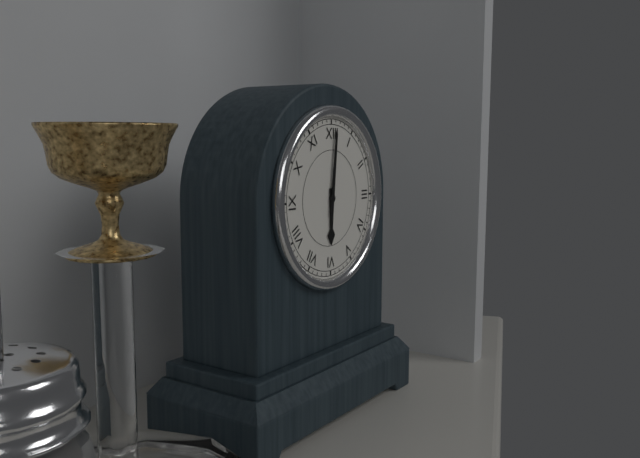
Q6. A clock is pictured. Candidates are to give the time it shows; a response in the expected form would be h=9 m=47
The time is h=6 m=1
